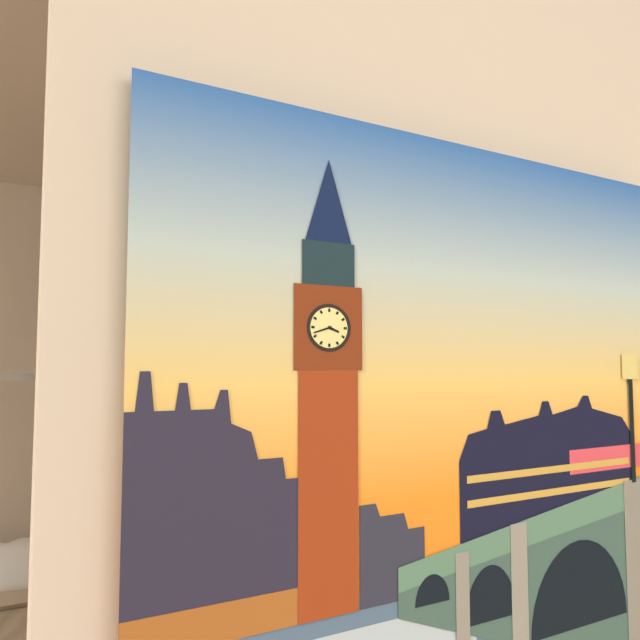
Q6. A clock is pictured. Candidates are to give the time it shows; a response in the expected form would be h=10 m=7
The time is h=3 m=42
